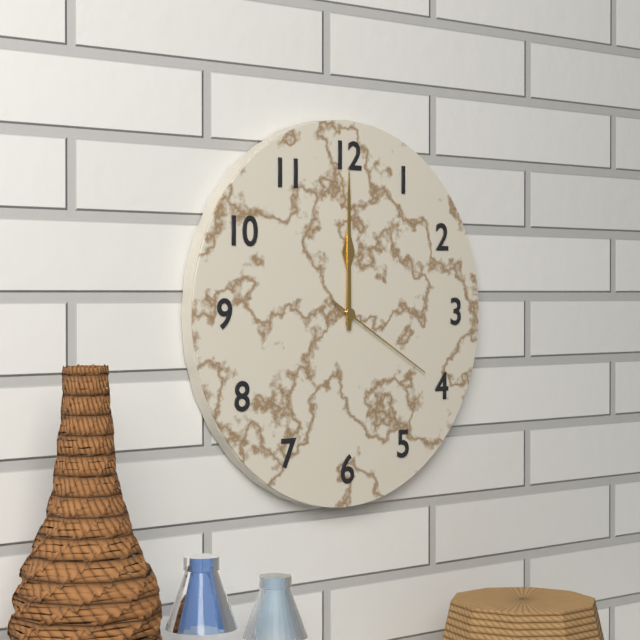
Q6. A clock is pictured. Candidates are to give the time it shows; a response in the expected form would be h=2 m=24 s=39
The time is h=12 m=0 s=20
